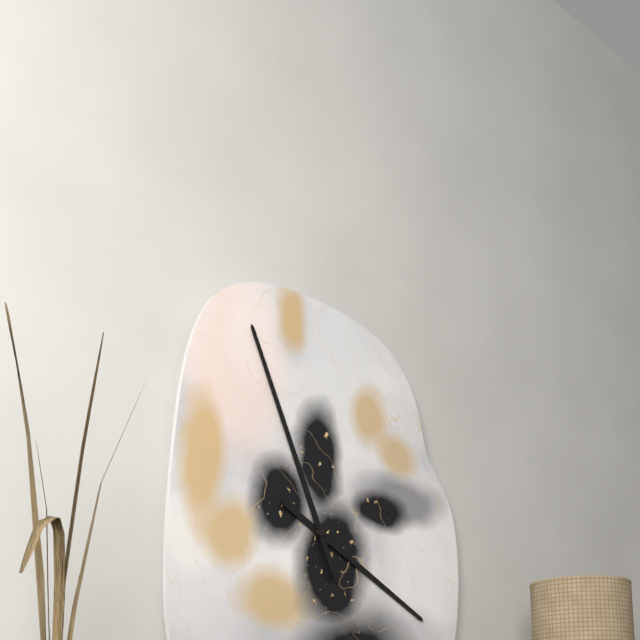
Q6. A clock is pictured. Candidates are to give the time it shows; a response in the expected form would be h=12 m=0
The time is h=3 m=56
